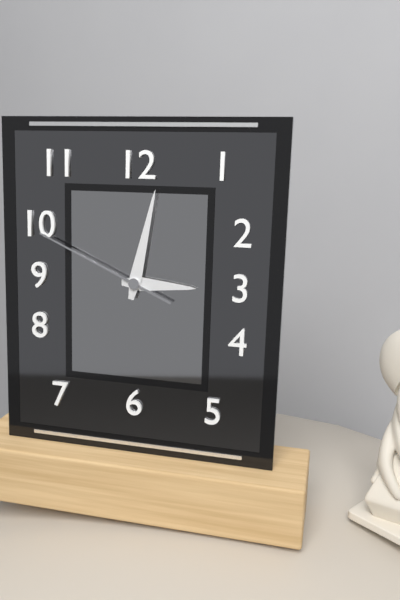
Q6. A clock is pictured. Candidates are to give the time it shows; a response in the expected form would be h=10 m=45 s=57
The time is h=3 m=2 s=49
